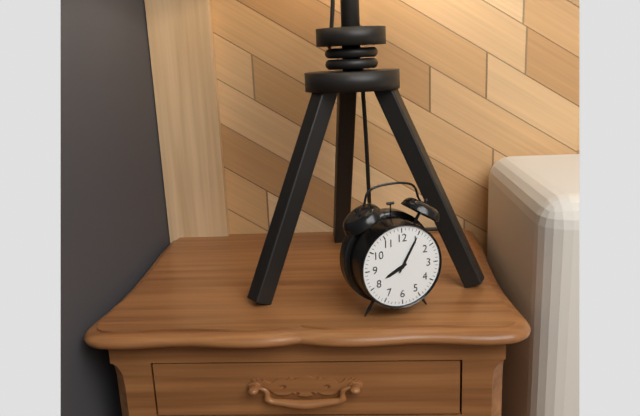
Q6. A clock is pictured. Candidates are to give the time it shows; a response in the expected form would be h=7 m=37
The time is h=8 m=5
